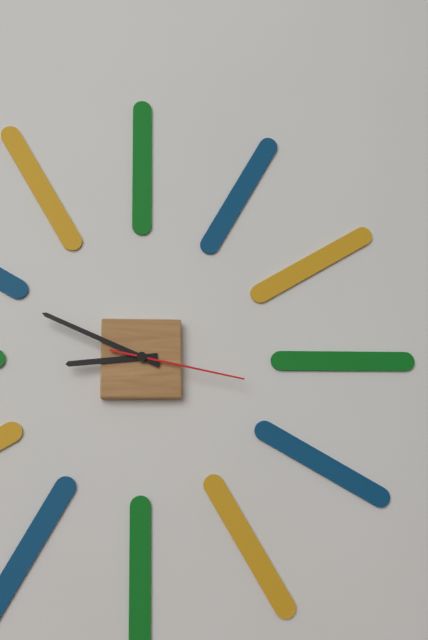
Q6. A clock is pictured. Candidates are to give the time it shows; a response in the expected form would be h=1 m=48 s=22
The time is h=8 m=49 s=17
